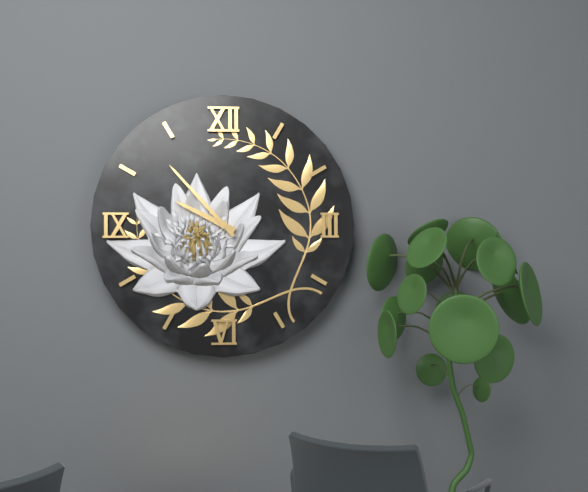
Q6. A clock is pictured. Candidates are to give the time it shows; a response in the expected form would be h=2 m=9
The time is h=9 m=53
